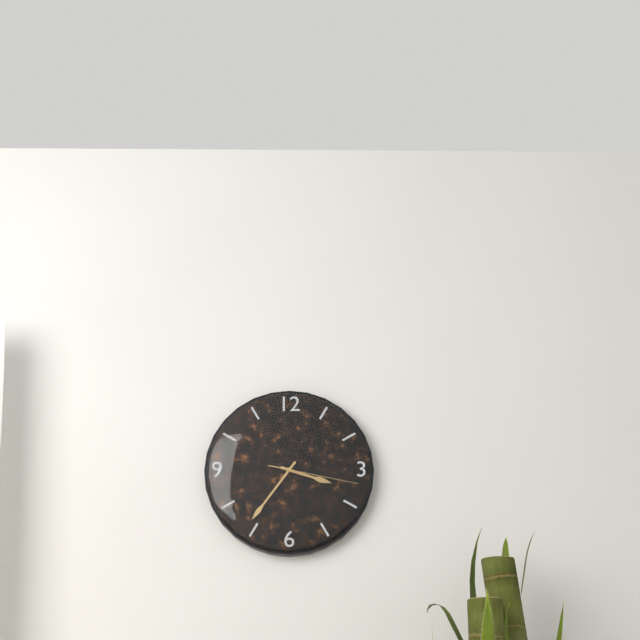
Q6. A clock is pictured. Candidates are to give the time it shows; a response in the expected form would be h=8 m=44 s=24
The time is h=3 m=36 s=17
